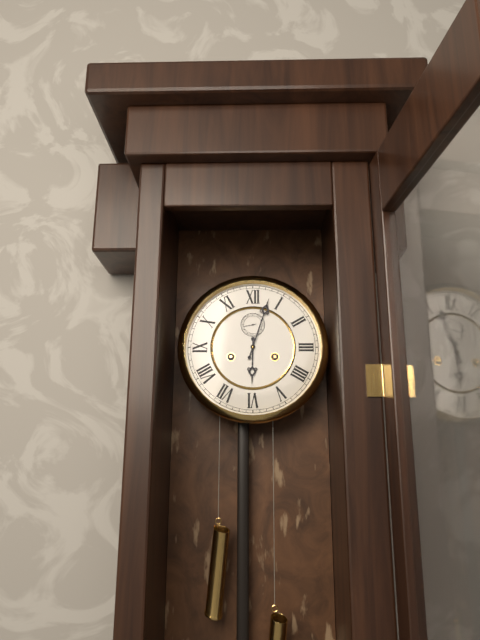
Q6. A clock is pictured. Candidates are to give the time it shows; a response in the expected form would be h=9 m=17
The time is h=6 m=3
